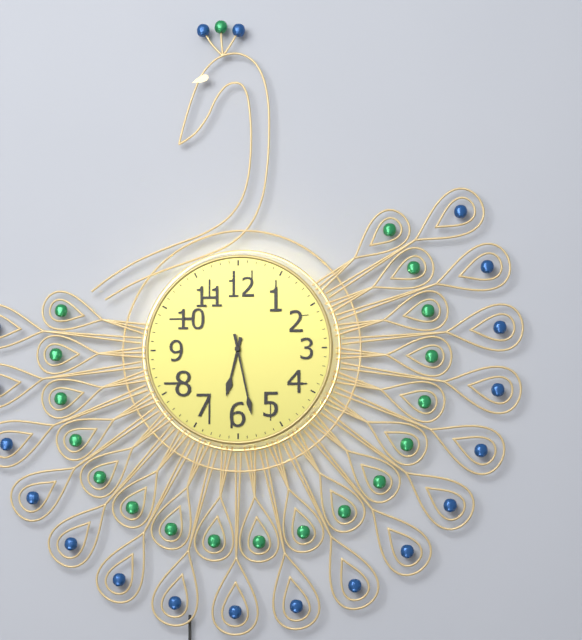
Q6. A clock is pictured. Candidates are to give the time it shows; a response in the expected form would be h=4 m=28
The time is h=6 m=28
